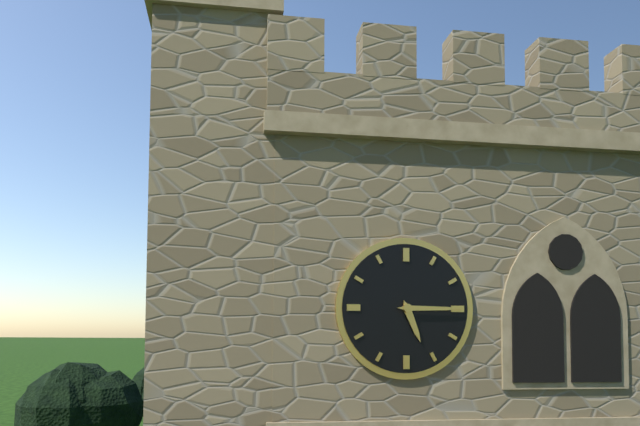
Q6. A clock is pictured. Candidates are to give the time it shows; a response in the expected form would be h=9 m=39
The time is h=5 m=15
